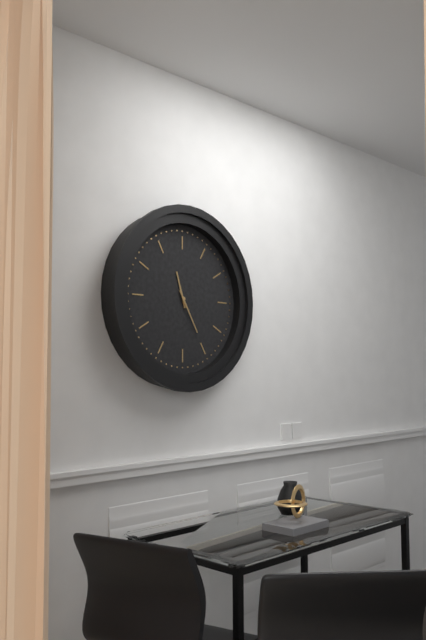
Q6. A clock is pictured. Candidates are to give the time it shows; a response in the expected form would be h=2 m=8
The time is h=11 m=25
